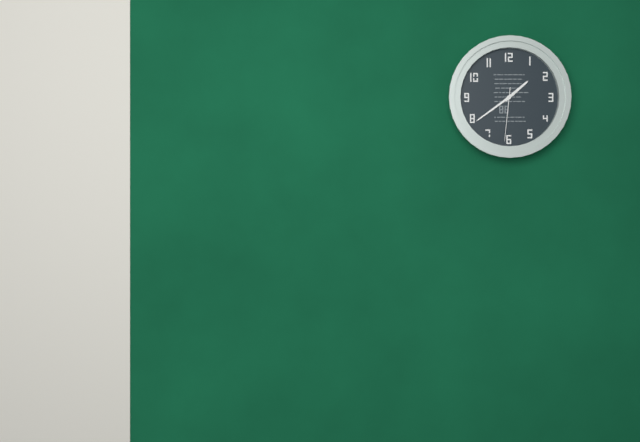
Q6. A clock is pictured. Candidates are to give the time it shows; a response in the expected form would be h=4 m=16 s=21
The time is h=1 m=39 s=31
